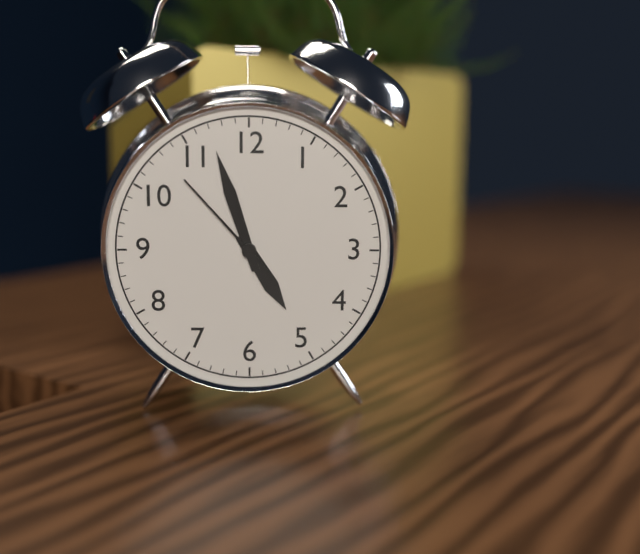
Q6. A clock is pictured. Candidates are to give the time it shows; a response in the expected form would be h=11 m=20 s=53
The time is h=4 m=57 s=53
